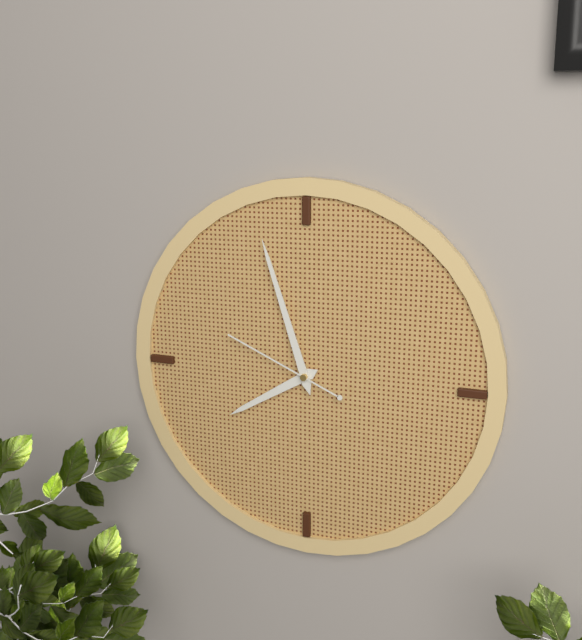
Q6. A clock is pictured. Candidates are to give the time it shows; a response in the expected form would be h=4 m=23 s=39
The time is h=7 m=57 s=49
